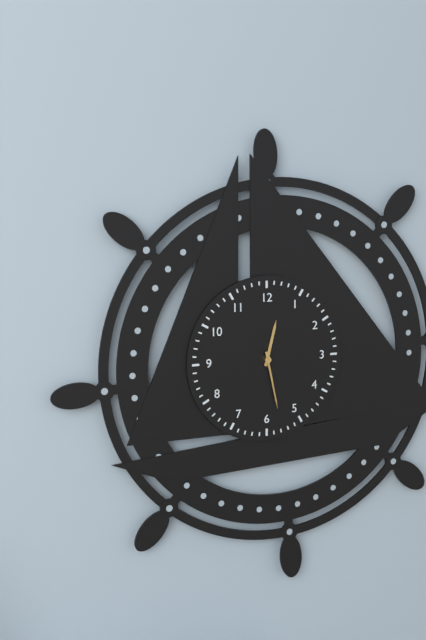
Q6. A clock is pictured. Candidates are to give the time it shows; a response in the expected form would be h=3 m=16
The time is h=12 m=28
